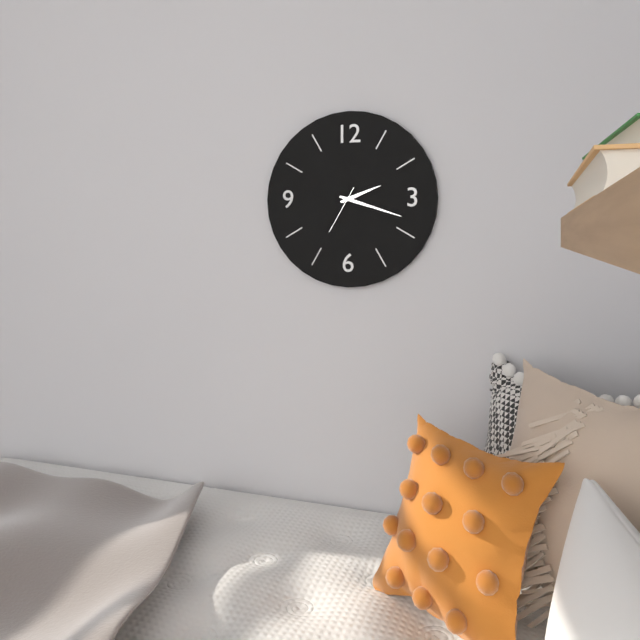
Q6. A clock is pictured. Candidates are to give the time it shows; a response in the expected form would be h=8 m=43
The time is h=2 m=18
